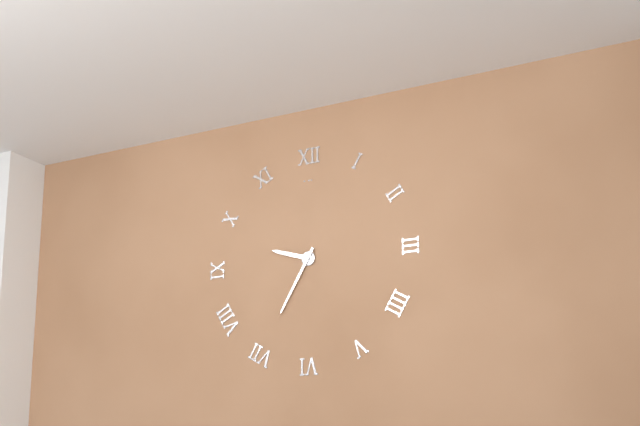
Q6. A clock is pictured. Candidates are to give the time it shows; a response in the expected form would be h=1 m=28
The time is h=9 m=35
